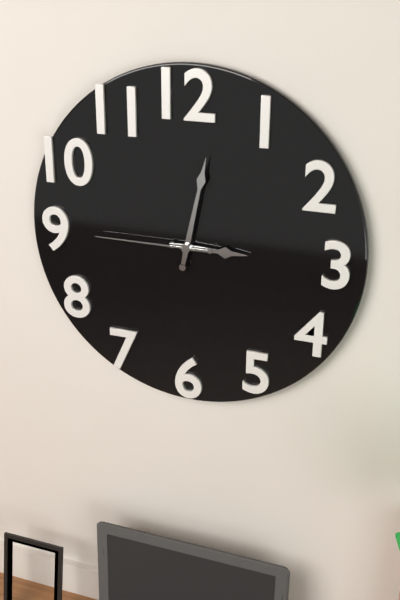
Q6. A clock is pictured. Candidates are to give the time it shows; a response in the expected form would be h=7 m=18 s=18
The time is h=3 m=2 s=45
